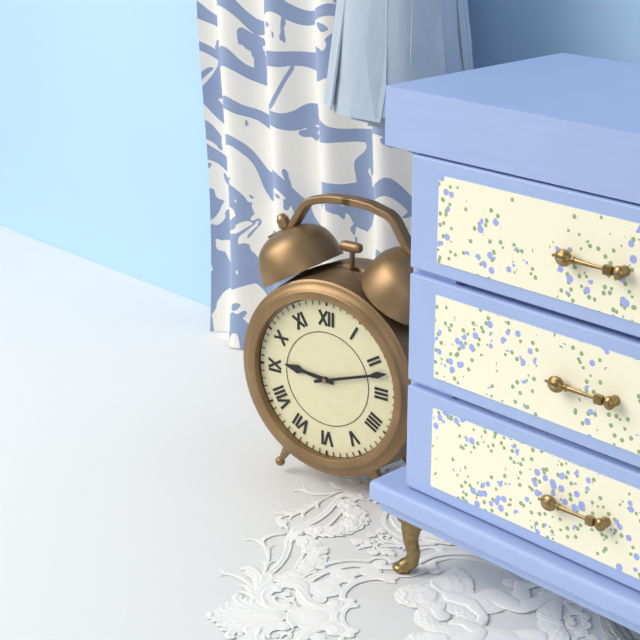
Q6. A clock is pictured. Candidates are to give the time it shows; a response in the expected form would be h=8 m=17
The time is h=9 m=12
